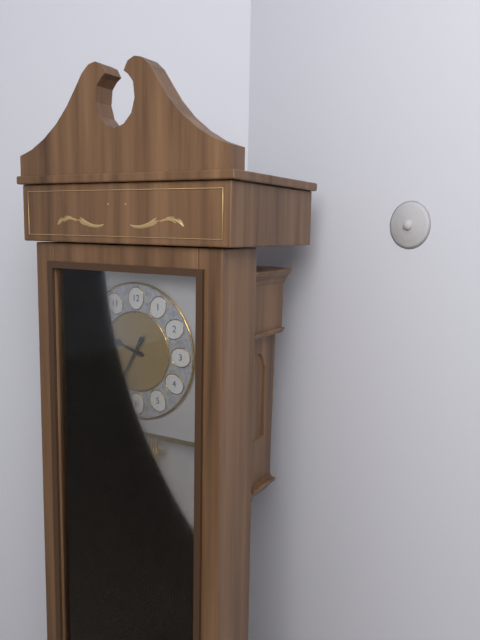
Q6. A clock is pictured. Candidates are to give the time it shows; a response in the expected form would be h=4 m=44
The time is h=9 m=35
